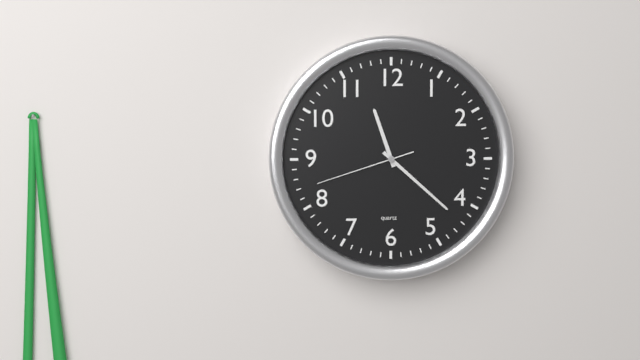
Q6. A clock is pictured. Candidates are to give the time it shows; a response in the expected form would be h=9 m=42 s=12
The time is h=11 m=22 s=42
